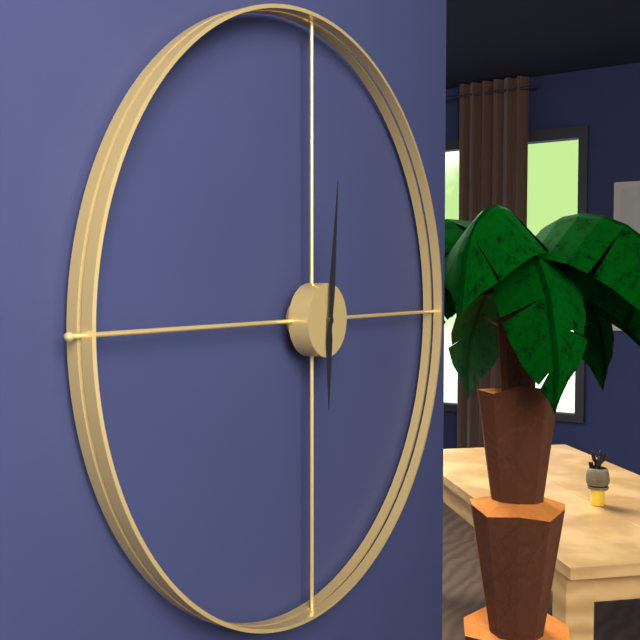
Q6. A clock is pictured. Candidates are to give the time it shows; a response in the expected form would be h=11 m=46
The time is h=6 m=1
